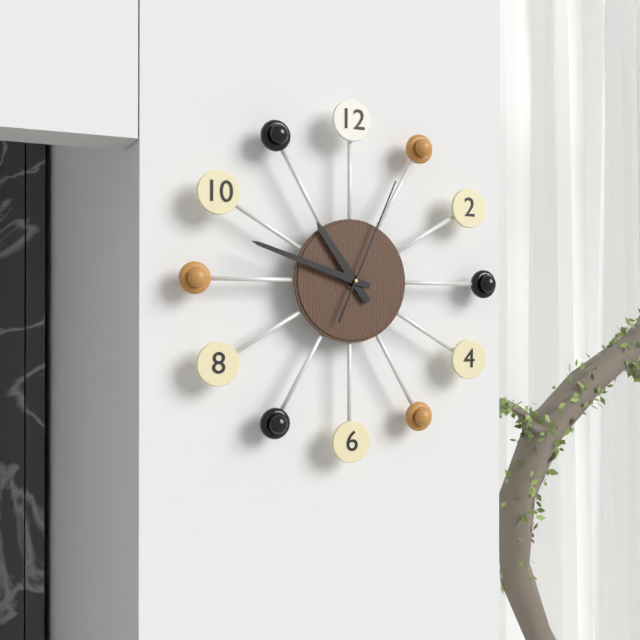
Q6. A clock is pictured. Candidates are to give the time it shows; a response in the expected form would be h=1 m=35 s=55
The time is h=10 m=48 s=4
